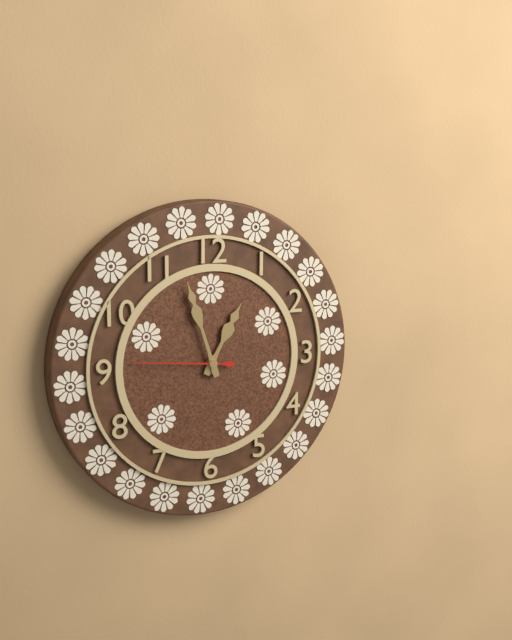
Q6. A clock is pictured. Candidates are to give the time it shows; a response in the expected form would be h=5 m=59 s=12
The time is h=12 m=57 s=46
